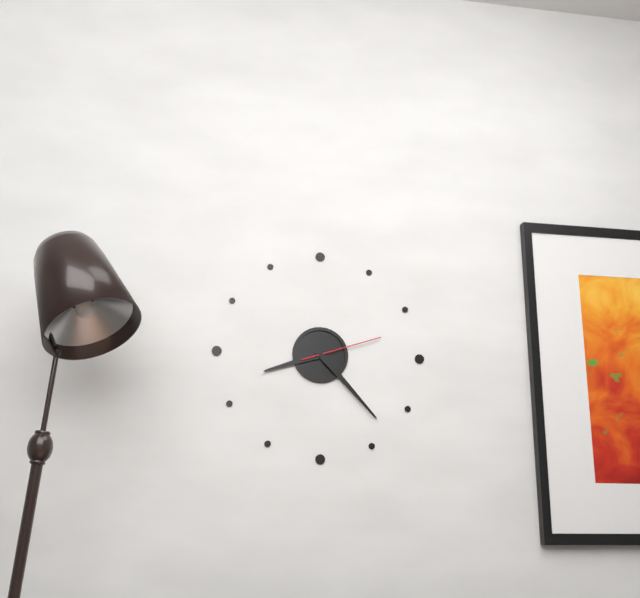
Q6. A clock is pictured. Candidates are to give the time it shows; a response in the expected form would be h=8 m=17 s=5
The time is h=8 m=23 s=12
